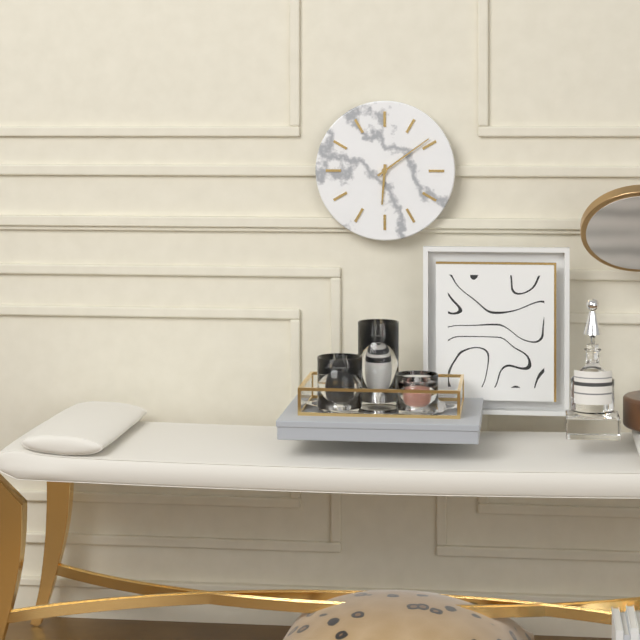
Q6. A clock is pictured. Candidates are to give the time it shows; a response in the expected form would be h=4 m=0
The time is h=6 m=9
